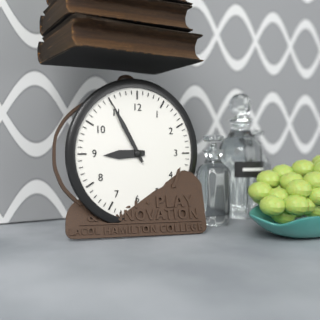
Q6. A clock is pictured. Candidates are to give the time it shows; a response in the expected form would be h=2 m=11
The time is h=8 m=55
